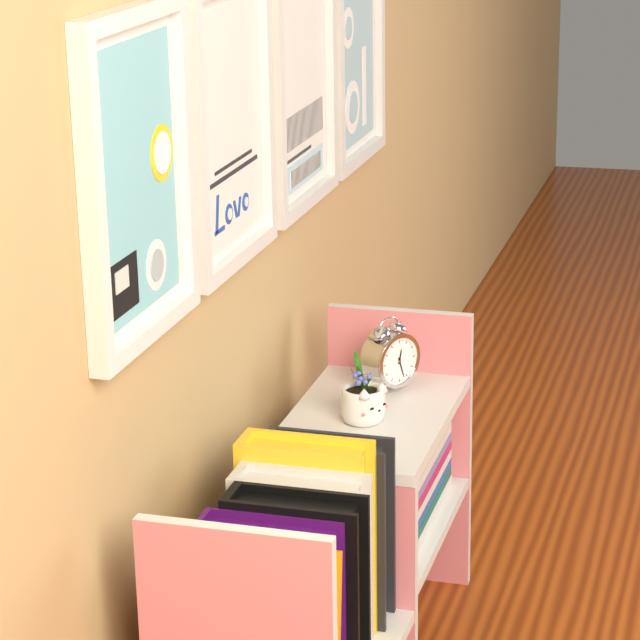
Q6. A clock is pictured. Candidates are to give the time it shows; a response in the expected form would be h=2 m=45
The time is h=12 m=27
